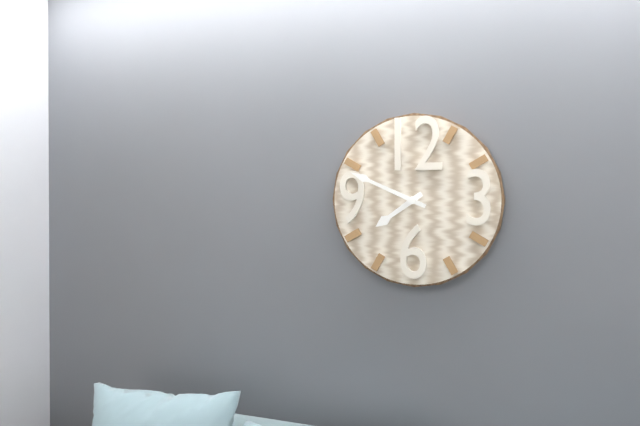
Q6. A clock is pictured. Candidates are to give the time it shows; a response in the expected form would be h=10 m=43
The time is h=7 m=49
